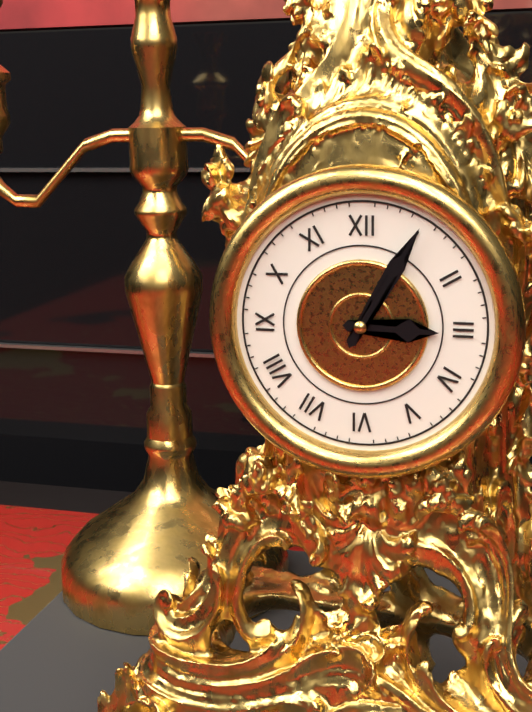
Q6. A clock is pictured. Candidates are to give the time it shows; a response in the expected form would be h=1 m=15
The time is h=3 m=5
